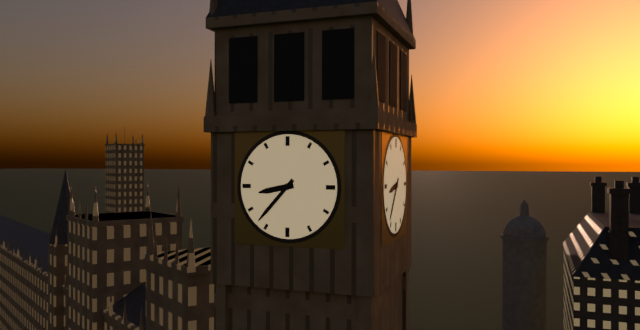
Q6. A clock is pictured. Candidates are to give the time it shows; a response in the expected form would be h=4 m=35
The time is h=8 m=37
